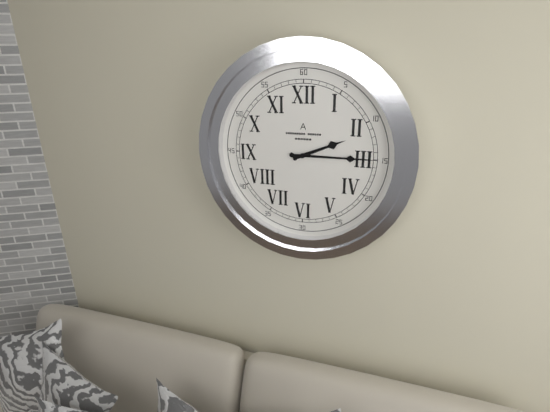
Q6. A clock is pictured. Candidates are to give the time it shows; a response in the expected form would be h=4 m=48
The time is h=2 m=15
